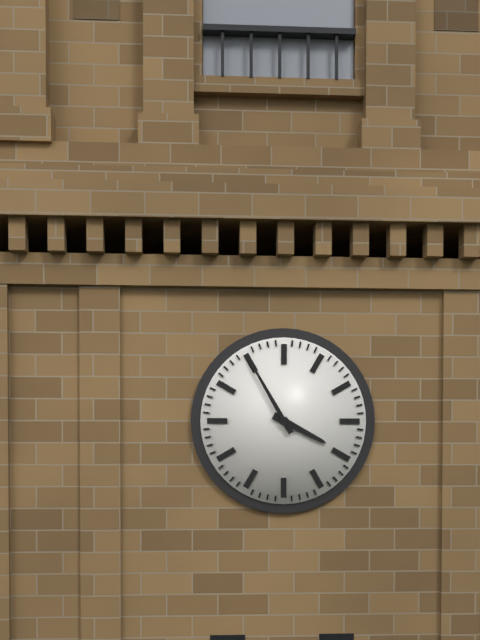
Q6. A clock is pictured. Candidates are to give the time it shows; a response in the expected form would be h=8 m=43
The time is h=3 m=55
